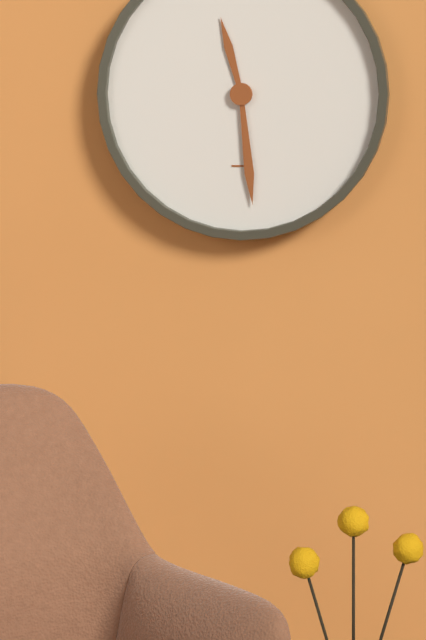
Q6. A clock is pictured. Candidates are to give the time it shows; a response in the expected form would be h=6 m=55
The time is h=11 m=29
